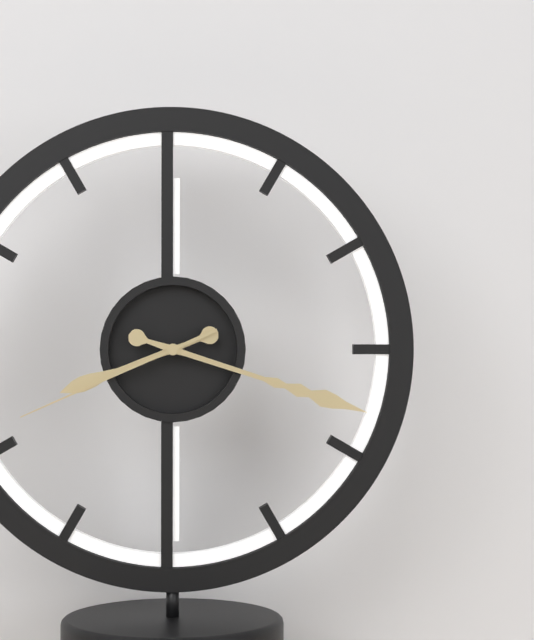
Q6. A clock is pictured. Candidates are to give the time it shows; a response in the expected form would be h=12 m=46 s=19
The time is h=8 m=18 s=41
